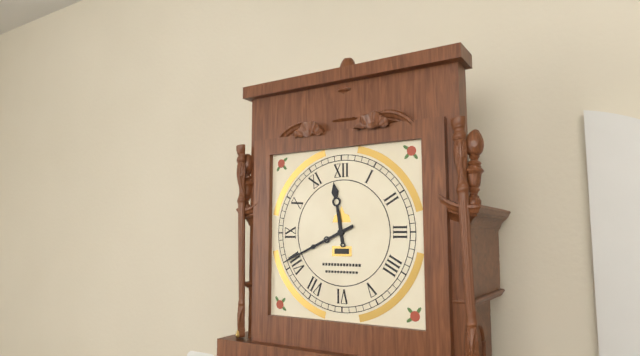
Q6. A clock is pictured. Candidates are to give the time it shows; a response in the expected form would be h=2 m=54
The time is h=11 m=41
